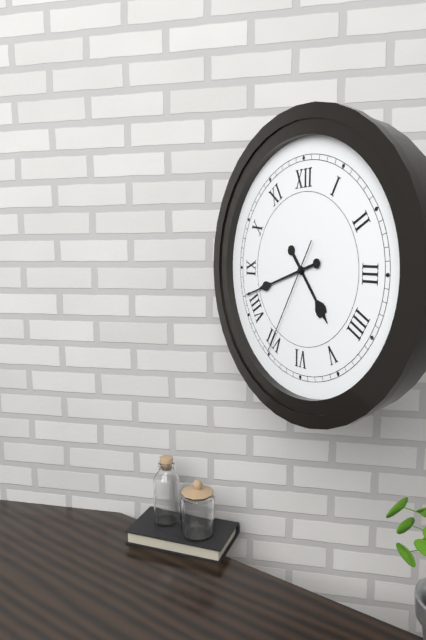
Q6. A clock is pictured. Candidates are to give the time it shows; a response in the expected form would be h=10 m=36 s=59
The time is h=4 m=42 s=35
